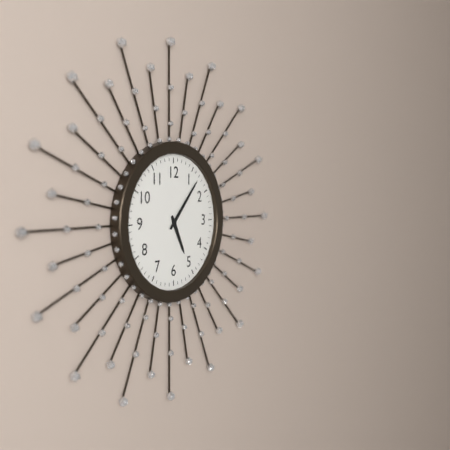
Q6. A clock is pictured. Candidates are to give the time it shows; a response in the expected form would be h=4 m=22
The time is h=5 m=7
